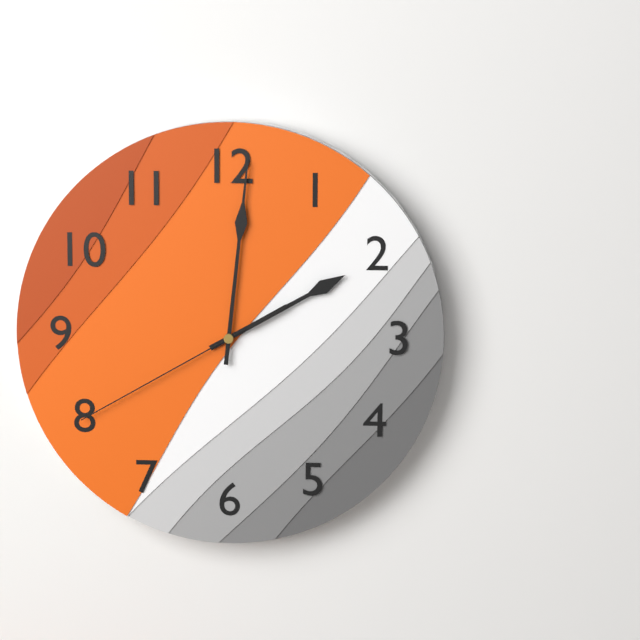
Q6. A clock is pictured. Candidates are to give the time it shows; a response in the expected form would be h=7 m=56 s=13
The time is h=2 m=1 s=40
